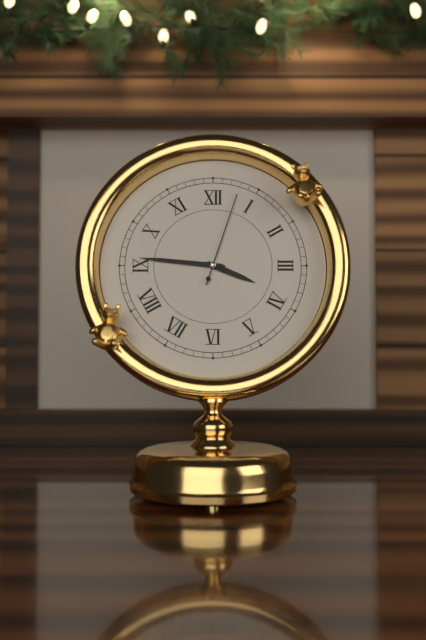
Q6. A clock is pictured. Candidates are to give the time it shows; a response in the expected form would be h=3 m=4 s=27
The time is h=3 m=46 s=3
